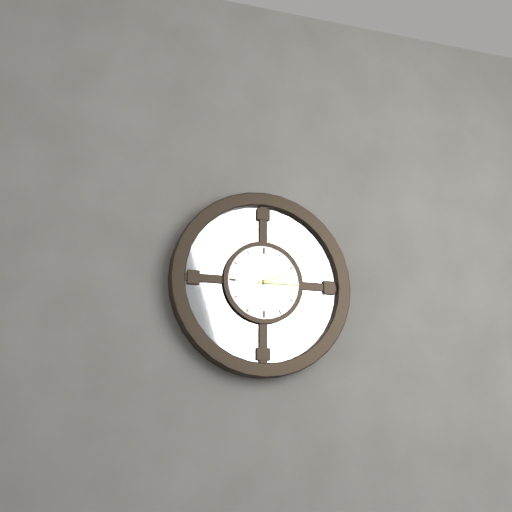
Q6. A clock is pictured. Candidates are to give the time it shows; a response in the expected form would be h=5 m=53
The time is h=2 m=15
